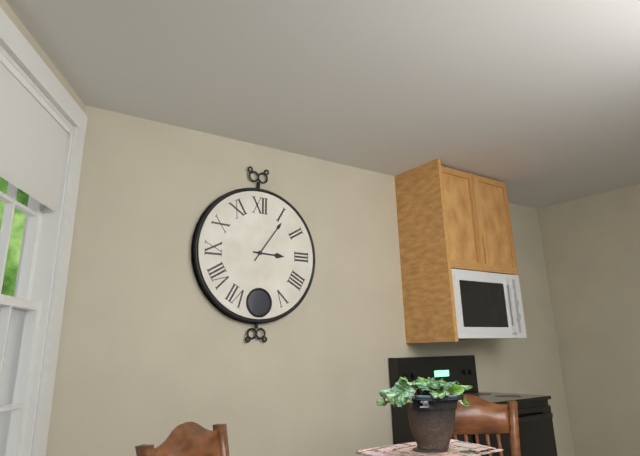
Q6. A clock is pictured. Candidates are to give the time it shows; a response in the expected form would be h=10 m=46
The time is h=3 m=6
